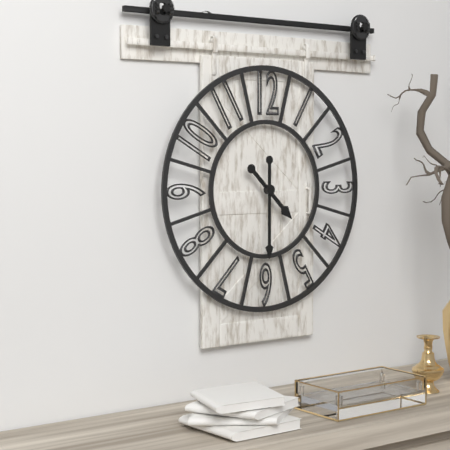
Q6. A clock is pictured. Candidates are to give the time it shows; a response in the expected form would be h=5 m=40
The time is h=4 m=30
